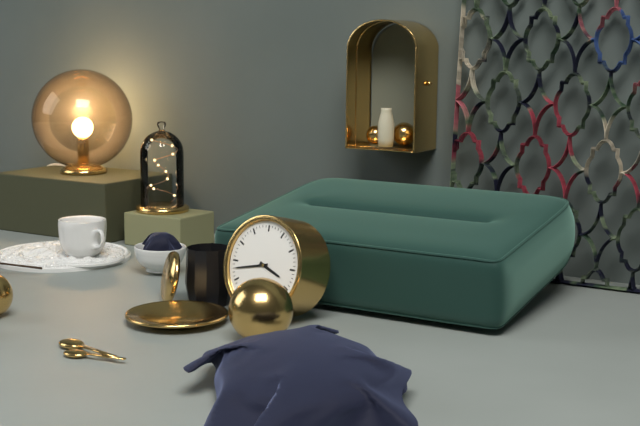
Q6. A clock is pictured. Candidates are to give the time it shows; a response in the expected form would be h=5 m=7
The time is h=3 m=43
